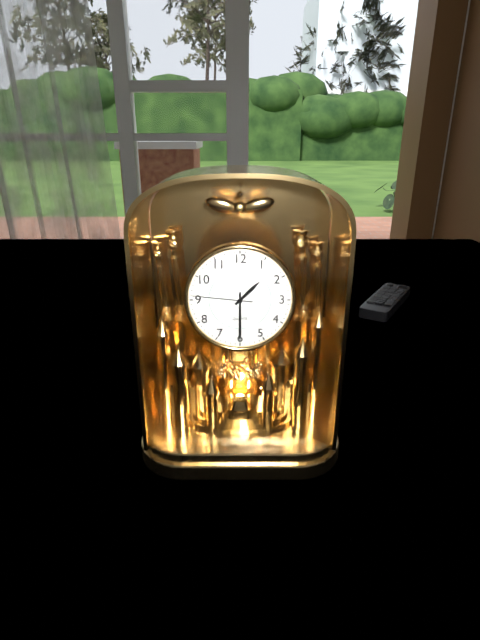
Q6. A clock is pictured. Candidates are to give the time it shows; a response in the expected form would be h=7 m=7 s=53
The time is h=1 m=30 s=46
